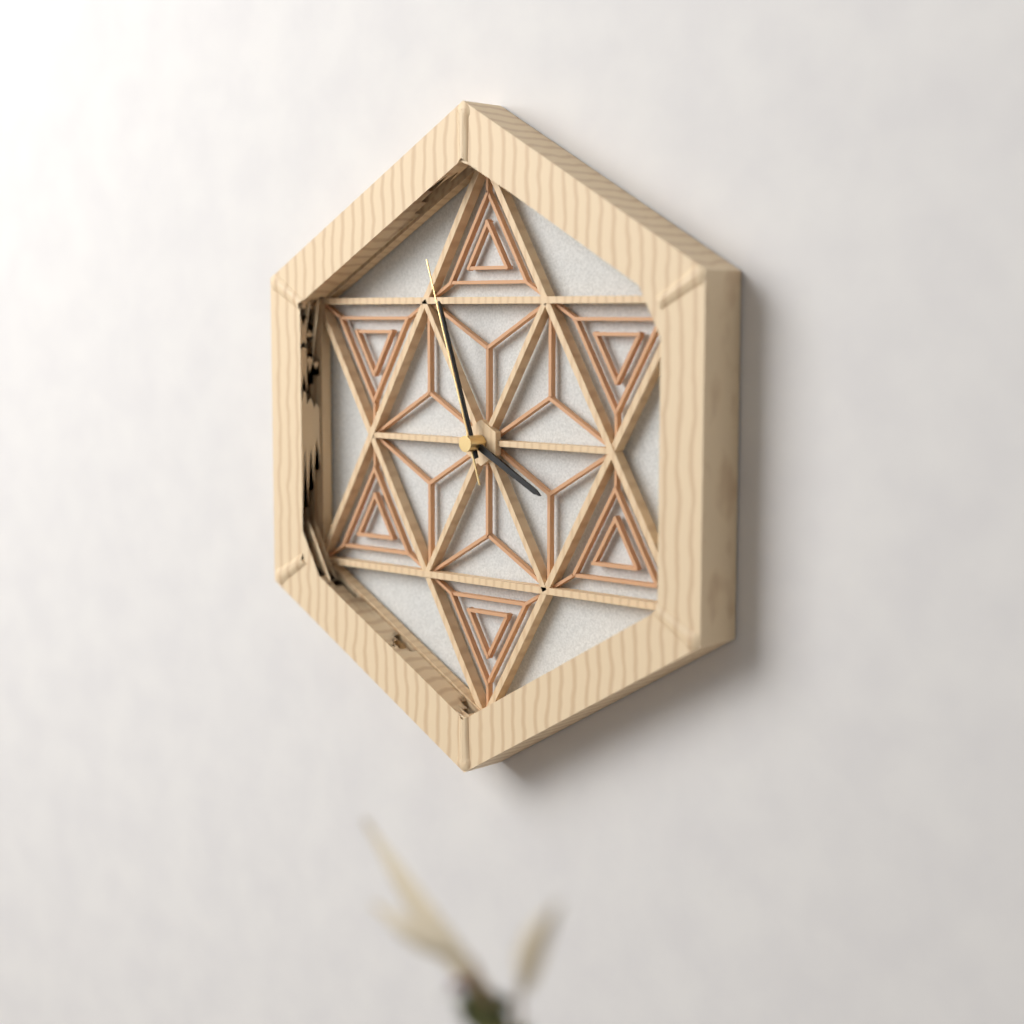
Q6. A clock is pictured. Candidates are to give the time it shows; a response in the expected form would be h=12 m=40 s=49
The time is h=3 m=57 s=57
